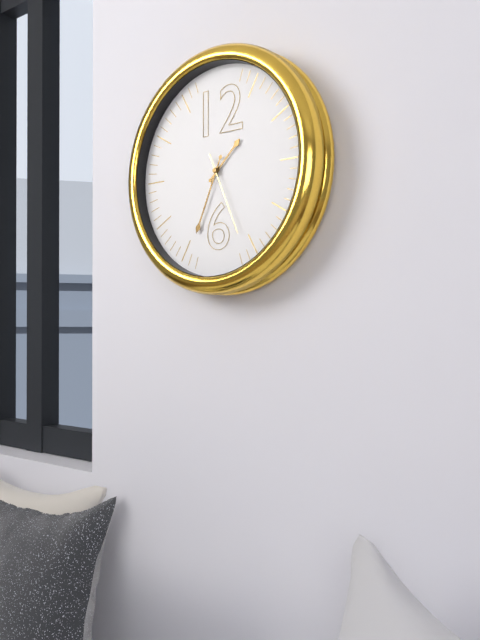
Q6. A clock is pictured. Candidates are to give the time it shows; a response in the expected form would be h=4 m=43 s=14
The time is h=1 m=34 s=26
